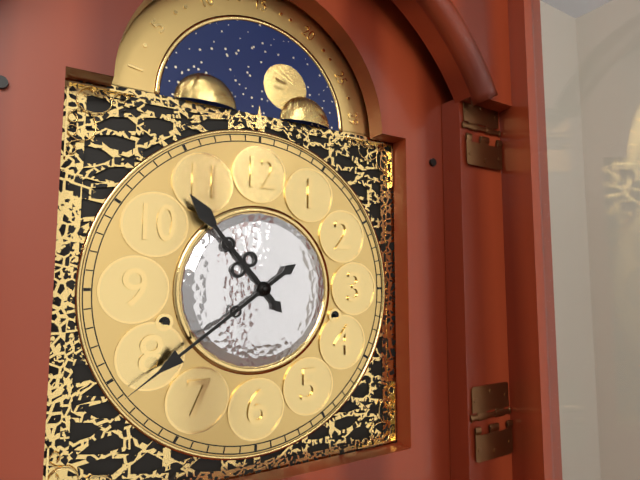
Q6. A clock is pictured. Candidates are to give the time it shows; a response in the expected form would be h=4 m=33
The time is h=10 m=39
